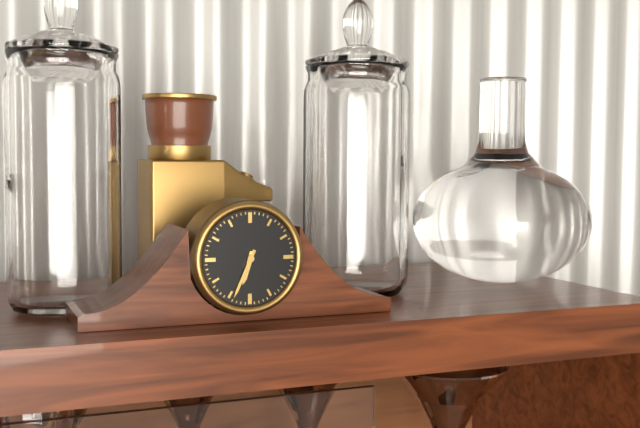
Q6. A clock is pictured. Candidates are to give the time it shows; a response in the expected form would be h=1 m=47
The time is h=6 m=34
